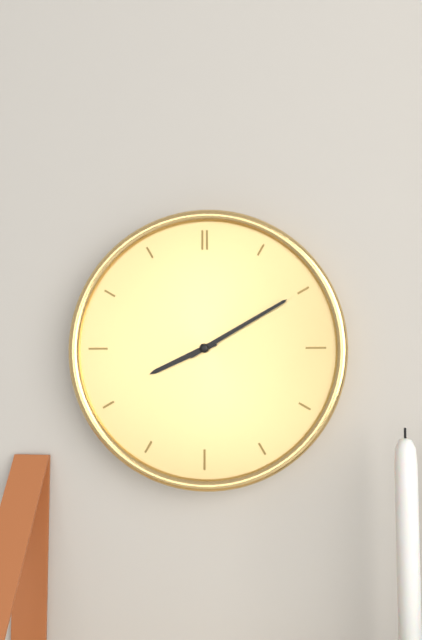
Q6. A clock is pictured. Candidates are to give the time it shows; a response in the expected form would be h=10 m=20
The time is h=8 m=10
